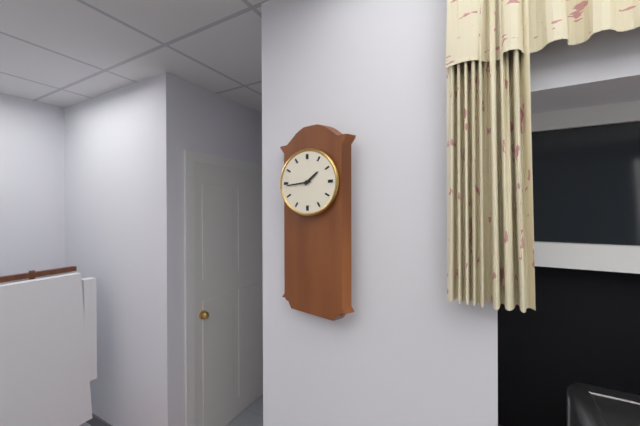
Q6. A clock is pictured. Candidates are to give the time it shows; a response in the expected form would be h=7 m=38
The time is h=1 m=44
